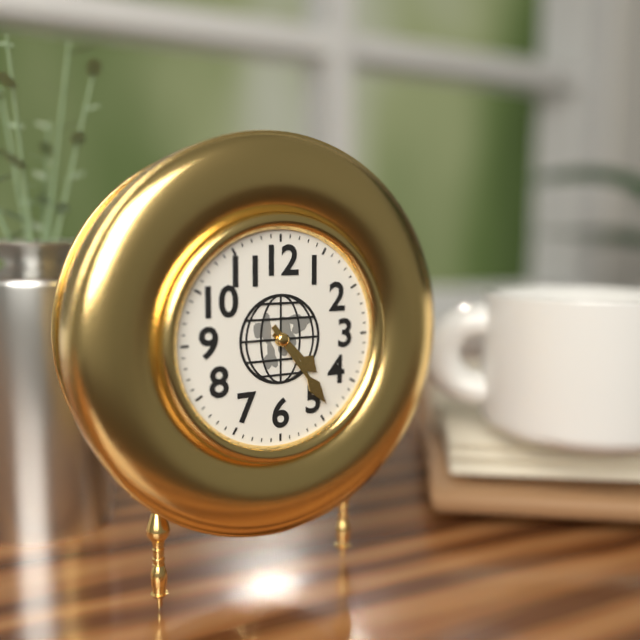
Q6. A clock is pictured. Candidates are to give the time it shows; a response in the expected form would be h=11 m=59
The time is h=4 m=24
